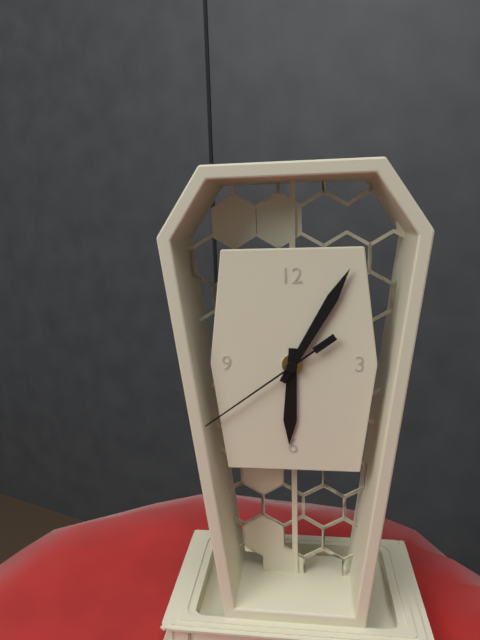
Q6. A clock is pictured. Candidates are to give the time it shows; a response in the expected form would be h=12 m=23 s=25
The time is h=6 m=5 s=39
